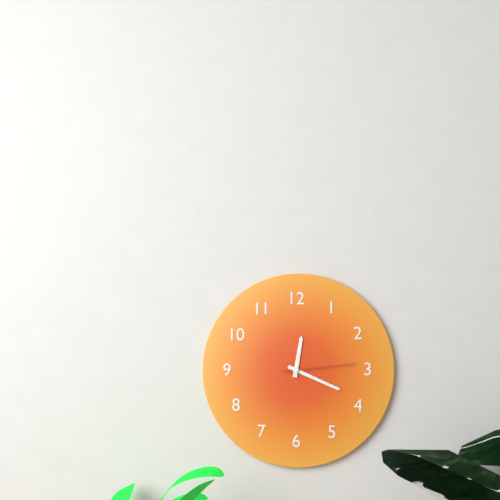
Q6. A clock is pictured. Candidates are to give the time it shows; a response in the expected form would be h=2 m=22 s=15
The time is h=12 m=19 s=14
